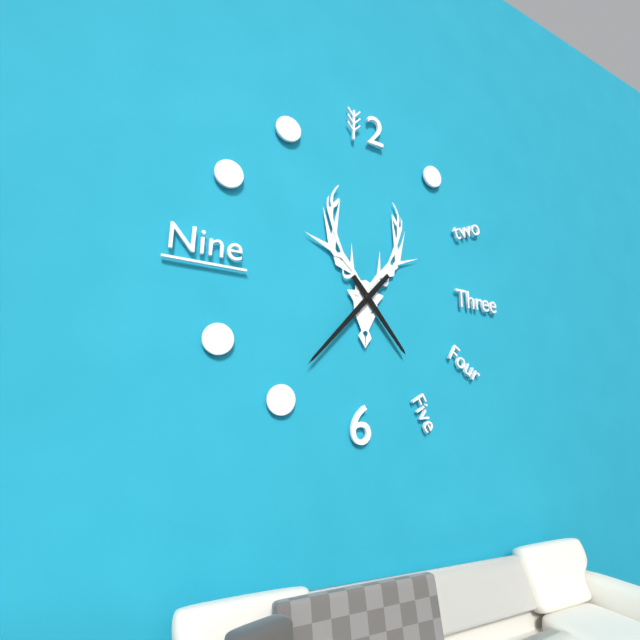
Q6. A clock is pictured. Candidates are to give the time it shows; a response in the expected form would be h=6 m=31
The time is h=4 m=37
